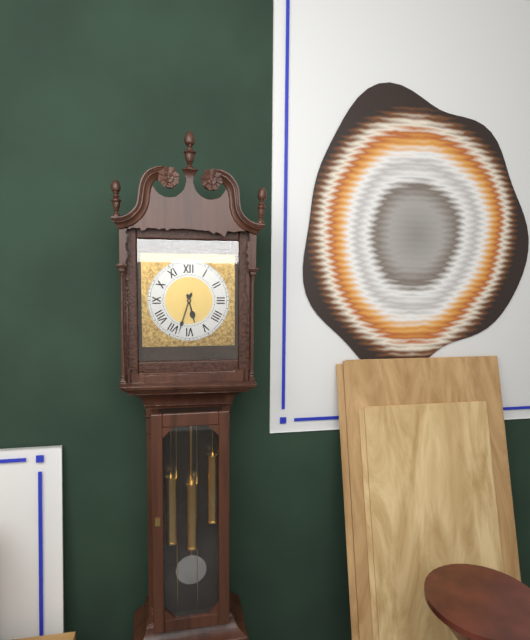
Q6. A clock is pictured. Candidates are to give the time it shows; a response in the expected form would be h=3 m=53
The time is h=5 m=33
